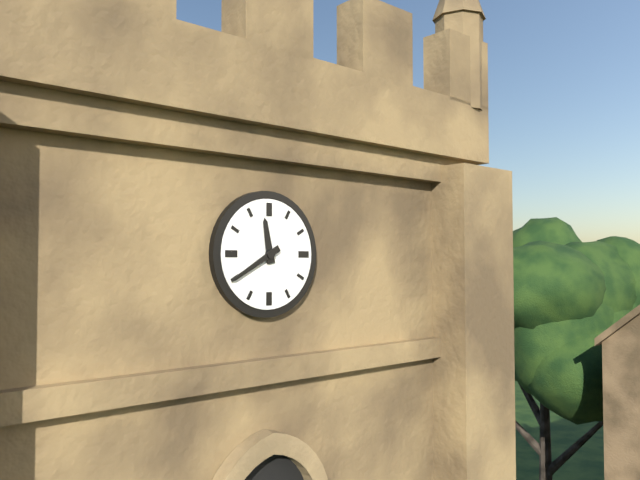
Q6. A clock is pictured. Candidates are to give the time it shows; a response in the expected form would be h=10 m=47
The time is h=11 m=40
